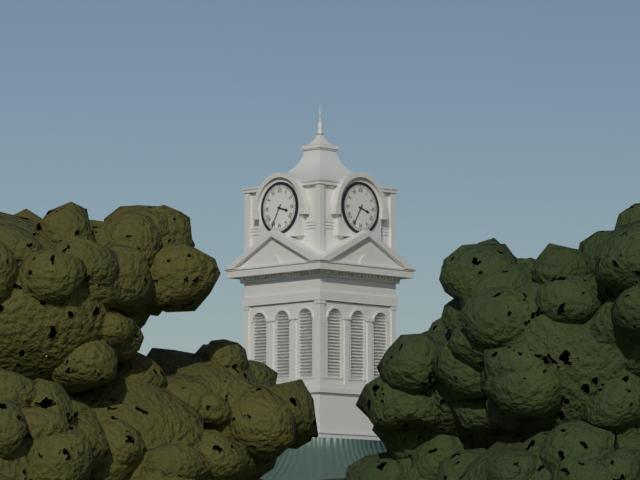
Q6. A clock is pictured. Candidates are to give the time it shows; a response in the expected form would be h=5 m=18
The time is h=3 m=35
